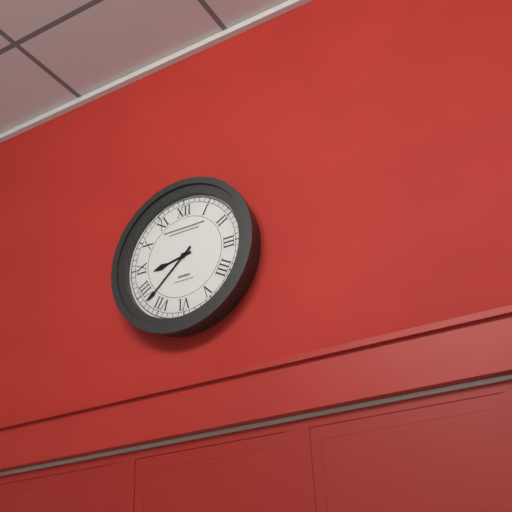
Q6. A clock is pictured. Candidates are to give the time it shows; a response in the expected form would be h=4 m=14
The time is h=8 m=38
